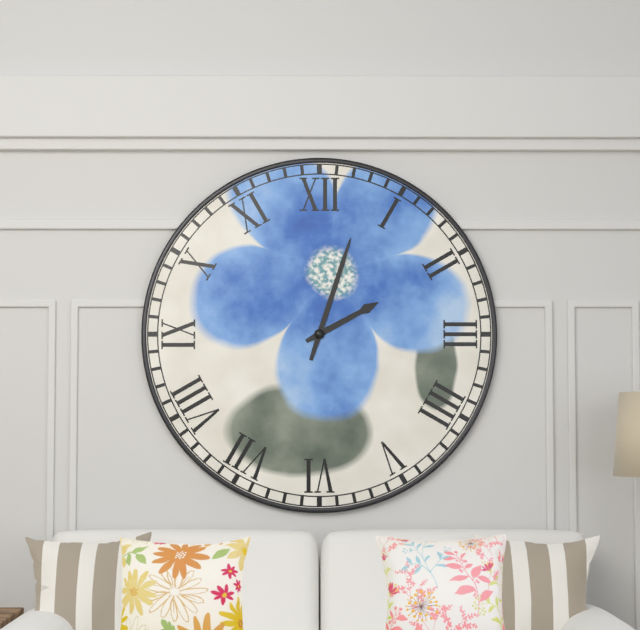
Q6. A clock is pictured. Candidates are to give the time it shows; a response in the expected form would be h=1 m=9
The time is h=2 m=3
